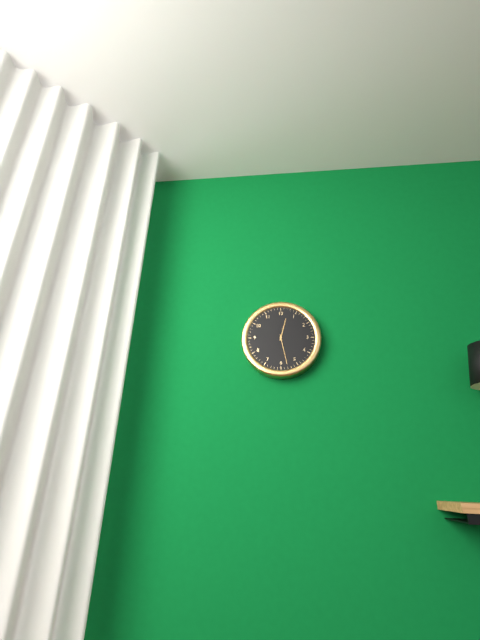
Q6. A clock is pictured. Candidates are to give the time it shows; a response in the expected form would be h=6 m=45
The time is h=12 m=28
